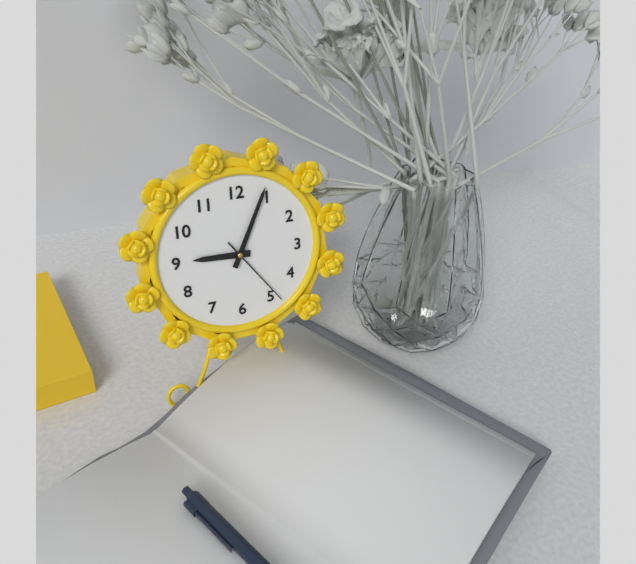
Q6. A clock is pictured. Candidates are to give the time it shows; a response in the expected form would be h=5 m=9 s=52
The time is h=9 m=4 s=24
